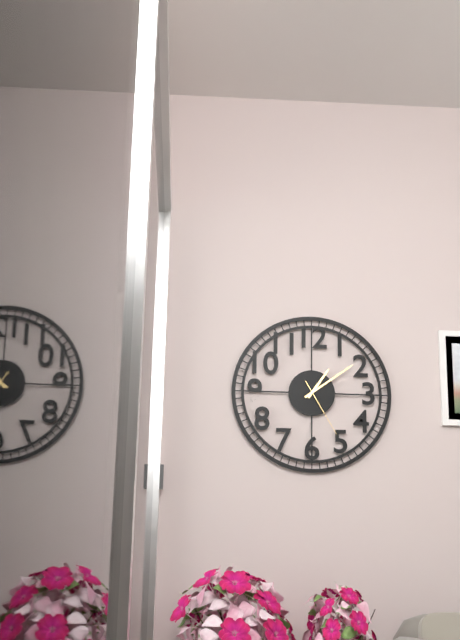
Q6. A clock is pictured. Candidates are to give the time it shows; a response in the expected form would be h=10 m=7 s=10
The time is h=1 m=9 s=25
